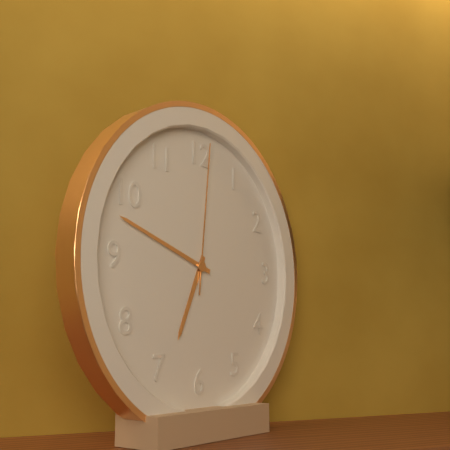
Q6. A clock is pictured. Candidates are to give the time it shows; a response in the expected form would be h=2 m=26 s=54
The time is h=6 m=48 s=1
